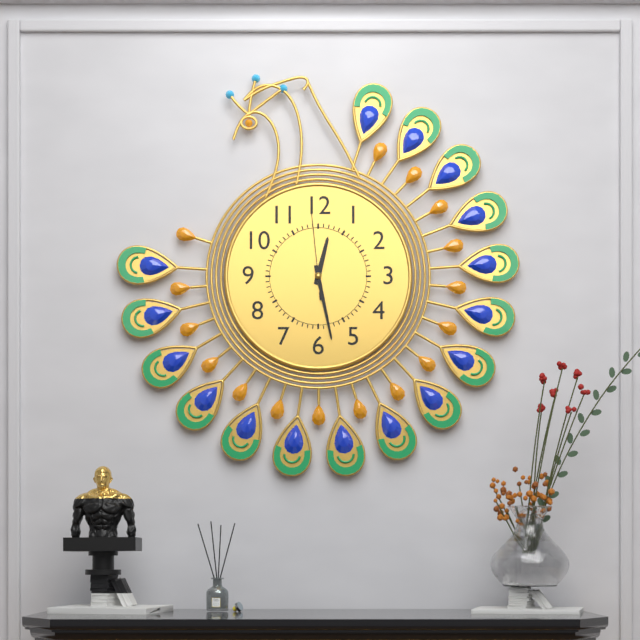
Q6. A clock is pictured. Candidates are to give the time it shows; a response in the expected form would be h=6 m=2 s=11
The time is h=12 m=28 s=59
